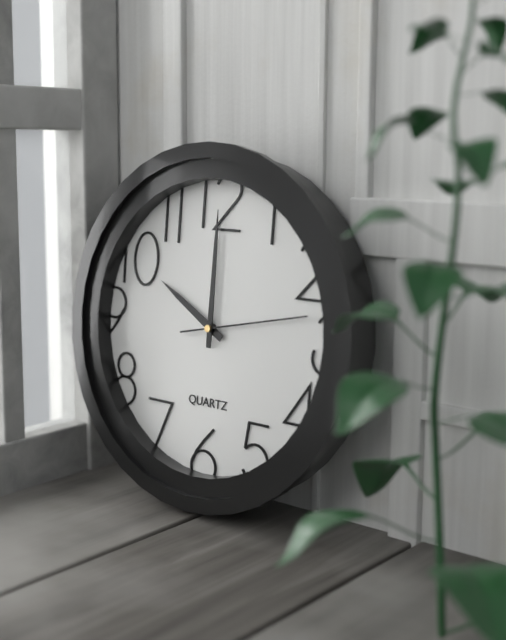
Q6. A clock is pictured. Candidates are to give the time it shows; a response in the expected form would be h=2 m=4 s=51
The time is h=10 m=0 s=13
